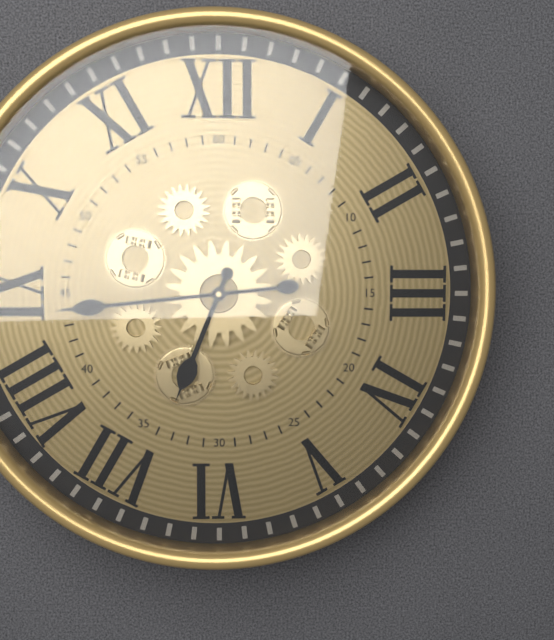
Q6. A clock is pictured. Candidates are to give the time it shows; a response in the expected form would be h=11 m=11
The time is h=6 m=44
